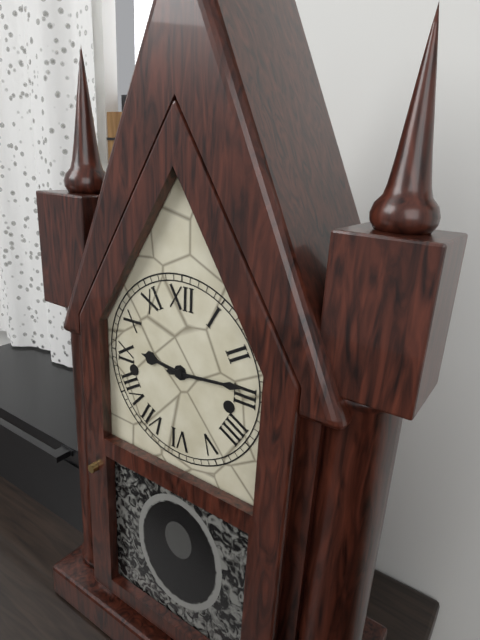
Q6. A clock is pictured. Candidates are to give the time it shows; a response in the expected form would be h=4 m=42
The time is h=9 m=14
